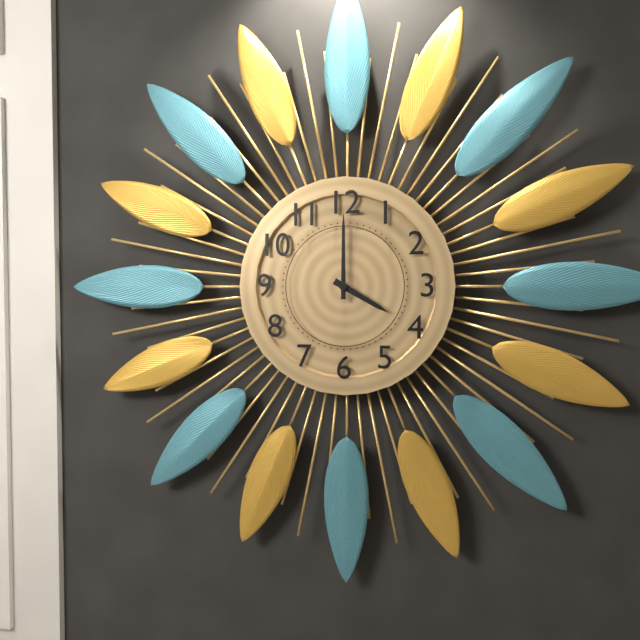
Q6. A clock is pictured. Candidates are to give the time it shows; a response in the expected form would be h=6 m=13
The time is h=4 m=0
